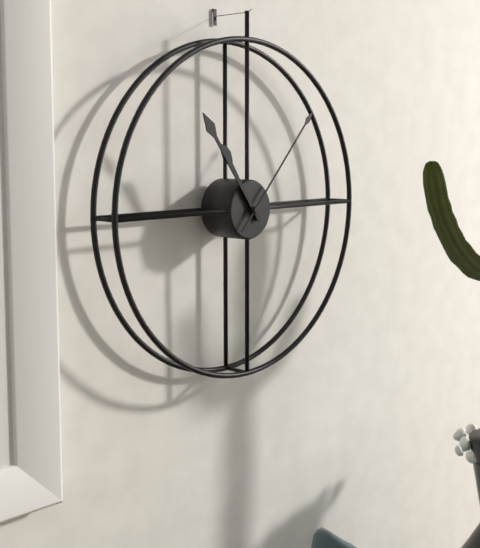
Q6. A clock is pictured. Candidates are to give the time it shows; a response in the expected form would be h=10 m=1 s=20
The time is h=10 m=54 s=7
